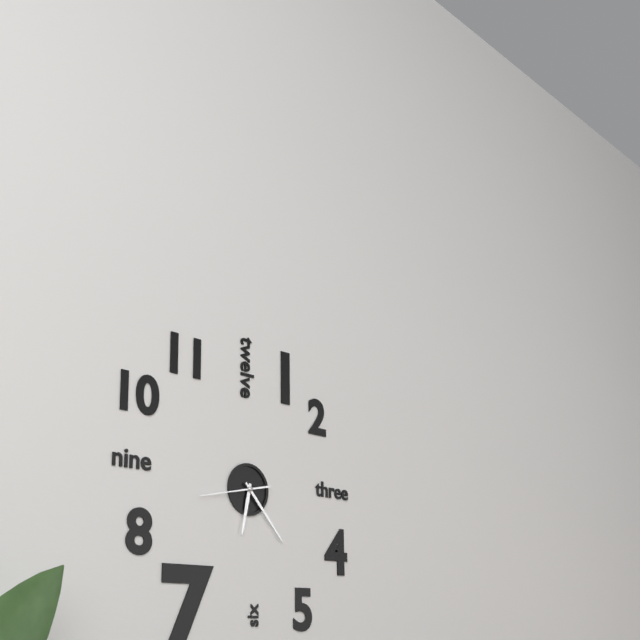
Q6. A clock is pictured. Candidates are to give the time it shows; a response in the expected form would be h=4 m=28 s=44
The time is h=6 m=23 s=43
